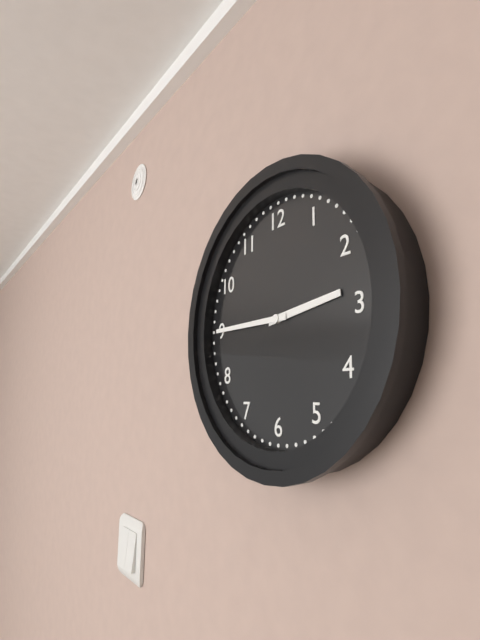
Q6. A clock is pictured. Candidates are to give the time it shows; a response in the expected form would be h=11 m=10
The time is h=2 m=45
